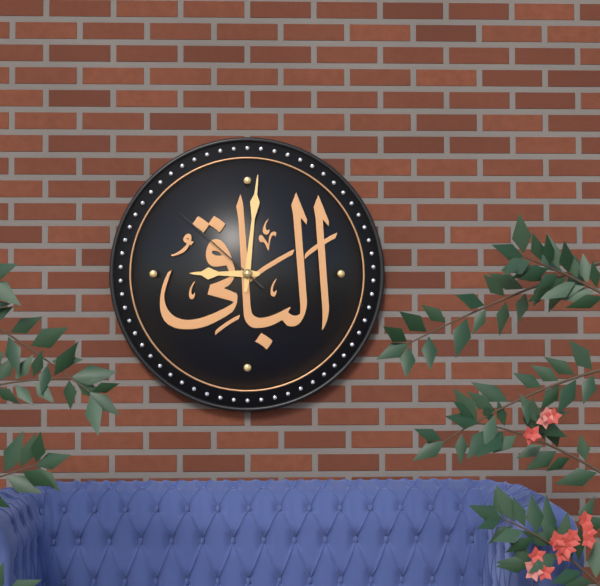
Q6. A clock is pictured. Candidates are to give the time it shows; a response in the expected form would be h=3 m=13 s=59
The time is h=9 m=1 s=52
